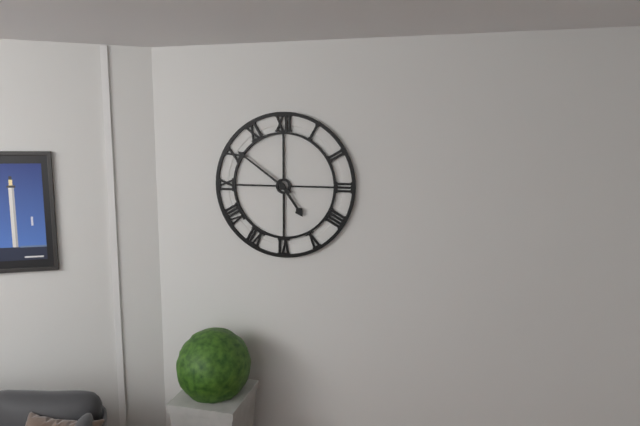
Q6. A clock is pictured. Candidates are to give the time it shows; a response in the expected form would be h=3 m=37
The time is h=4 m=51
